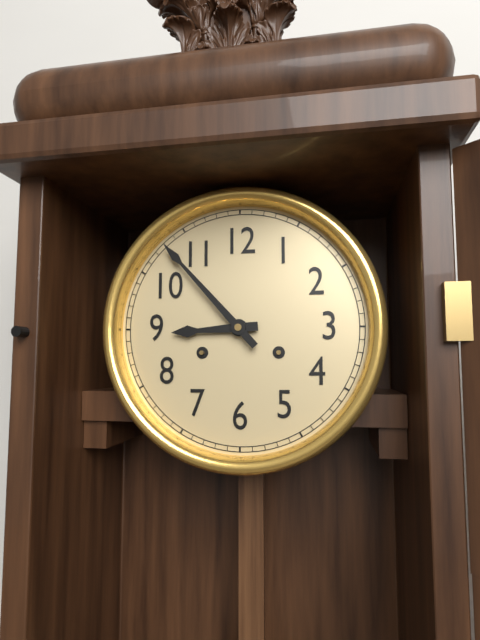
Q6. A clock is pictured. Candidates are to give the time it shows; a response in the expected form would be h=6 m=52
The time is h=8 m=53
